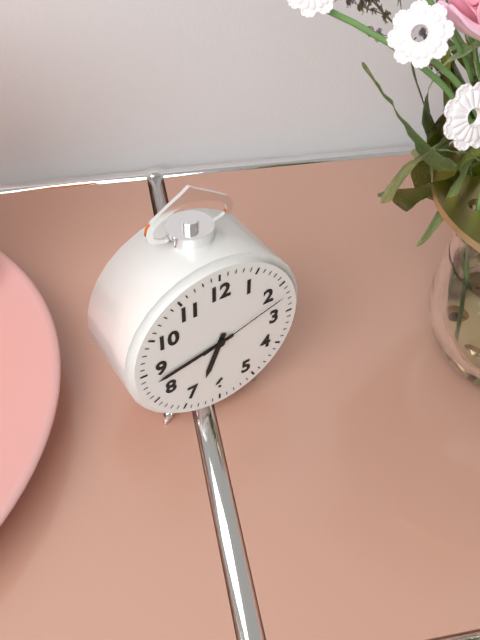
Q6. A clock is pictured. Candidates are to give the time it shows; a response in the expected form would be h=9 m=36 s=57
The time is h=6 m=43 s=12
